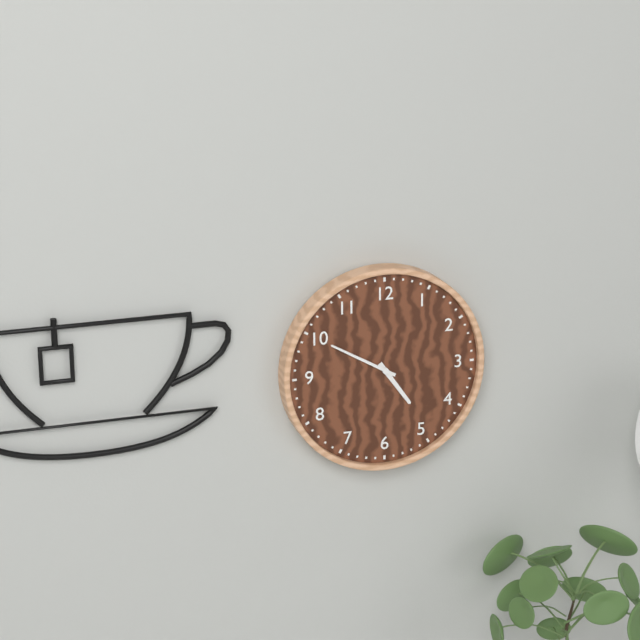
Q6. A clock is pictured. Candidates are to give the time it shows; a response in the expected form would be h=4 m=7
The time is h=4 m=50
